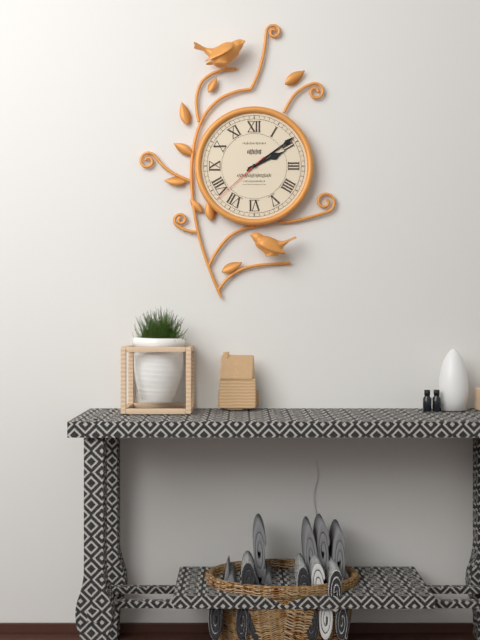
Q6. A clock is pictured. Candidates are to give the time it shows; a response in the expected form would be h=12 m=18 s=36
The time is h=2 m=9 s=38
